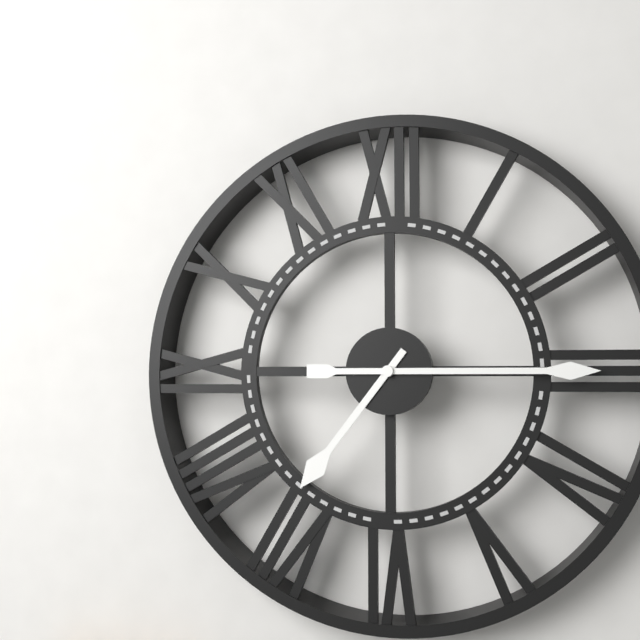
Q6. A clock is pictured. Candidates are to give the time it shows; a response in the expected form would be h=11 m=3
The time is h=7 m=15
